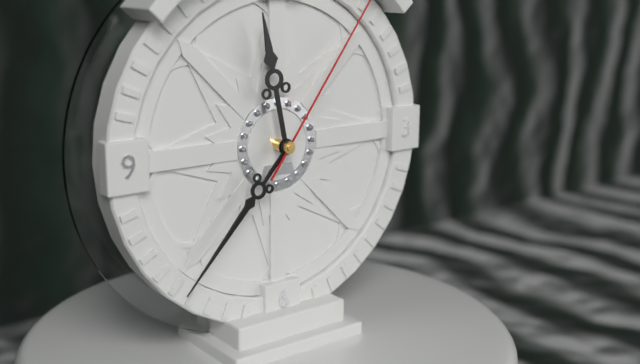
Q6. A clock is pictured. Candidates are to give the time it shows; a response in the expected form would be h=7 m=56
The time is h=11 m=37
